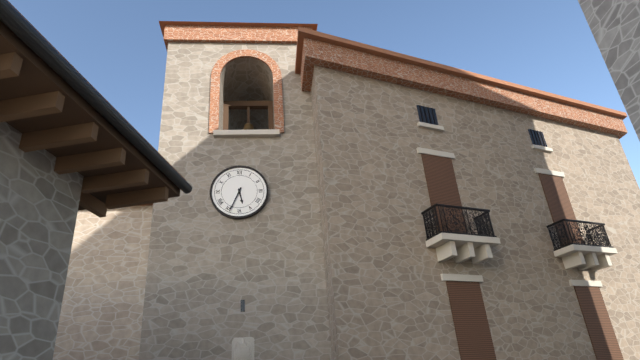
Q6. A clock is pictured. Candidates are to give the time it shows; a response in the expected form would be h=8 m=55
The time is h=5 m=34
